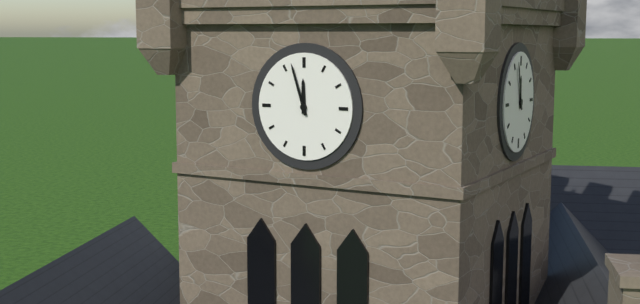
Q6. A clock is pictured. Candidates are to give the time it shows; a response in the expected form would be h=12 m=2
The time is h=11 m=57
